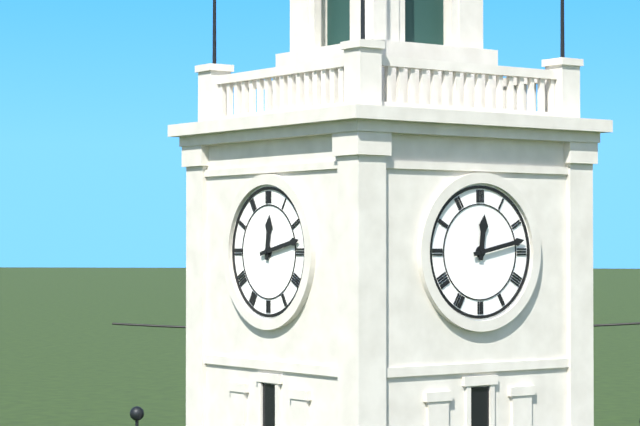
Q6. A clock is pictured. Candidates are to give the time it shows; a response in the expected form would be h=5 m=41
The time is h=12 m=13
